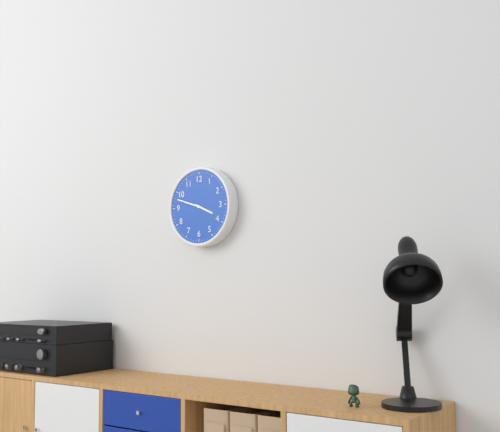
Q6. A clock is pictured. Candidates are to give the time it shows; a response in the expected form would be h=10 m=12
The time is h=3 m=48
